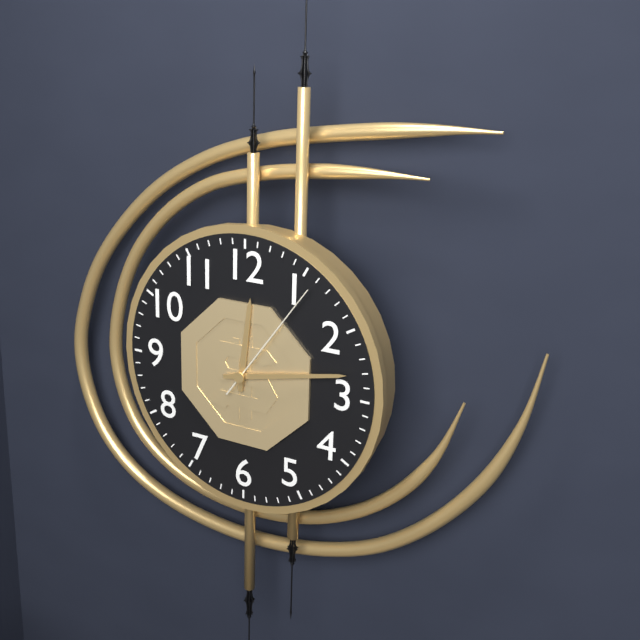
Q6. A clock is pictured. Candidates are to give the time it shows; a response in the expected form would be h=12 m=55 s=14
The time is h=12 m=13 s=6
